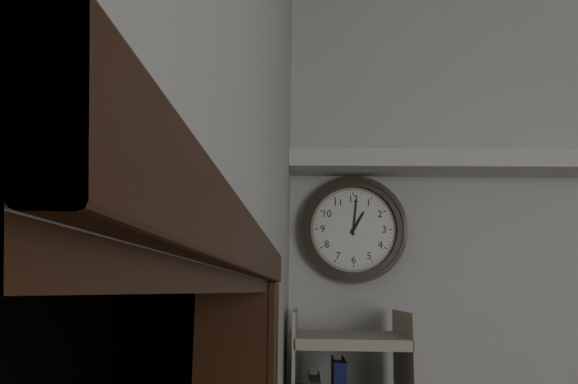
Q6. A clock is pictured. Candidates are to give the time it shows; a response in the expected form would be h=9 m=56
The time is h=1 m=1
